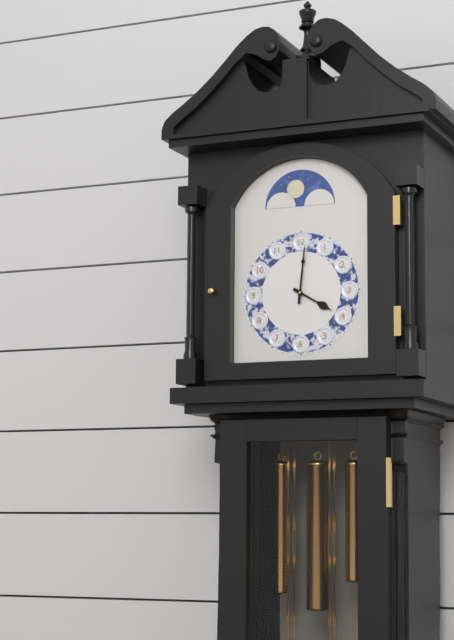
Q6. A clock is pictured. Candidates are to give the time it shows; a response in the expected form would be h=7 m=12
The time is h=4 m=1
